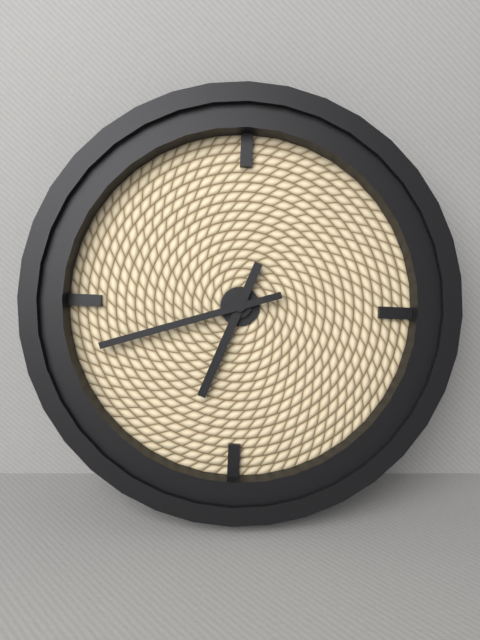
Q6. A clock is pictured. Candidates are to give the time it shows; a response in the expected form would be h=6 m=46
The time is h=6 m=42
